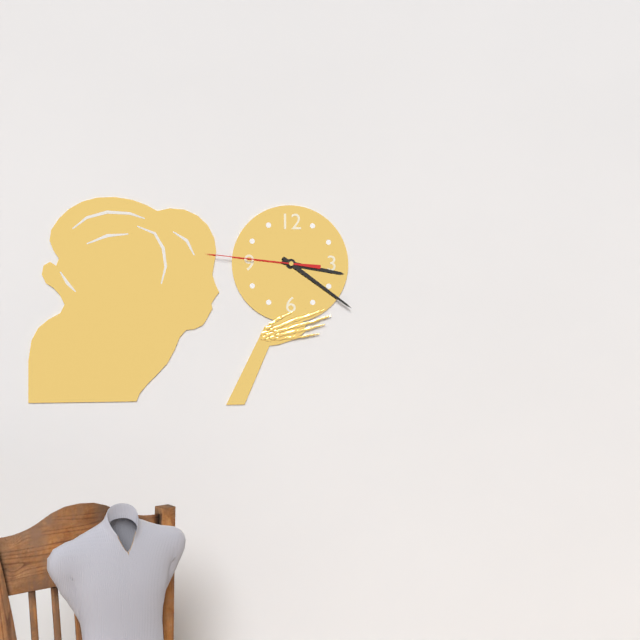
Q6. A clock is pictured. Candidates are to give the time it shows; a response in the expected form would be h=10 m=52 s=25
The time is h=3 m=21 s=46
